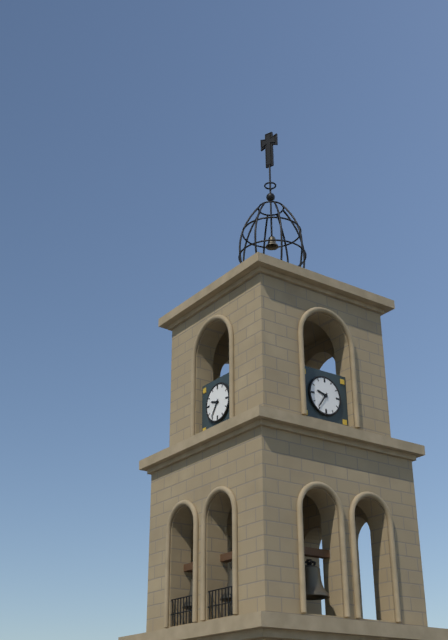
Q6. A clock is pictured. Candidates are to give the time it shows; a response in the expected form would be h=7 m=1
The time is h=9 m=36
